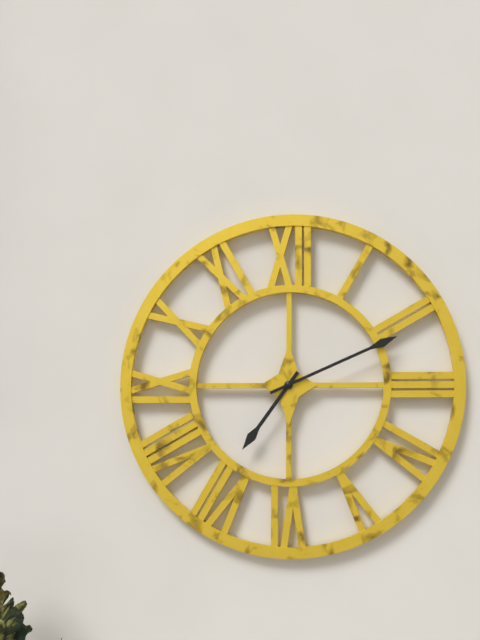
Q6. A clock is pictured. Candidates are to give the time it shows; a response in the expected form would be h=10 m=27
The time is h=7 m=11
